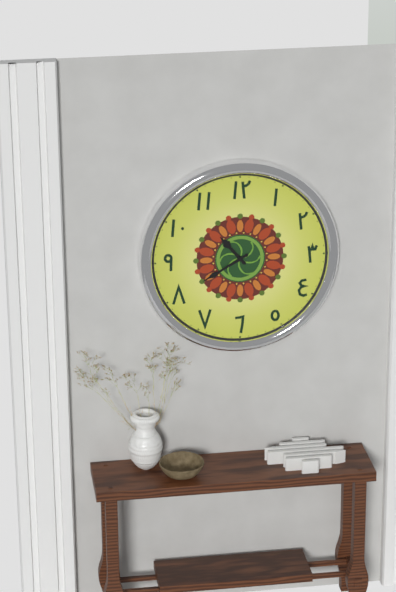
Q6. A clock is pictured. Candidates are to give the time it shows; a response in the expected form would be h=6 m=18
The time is h=10 m=40
